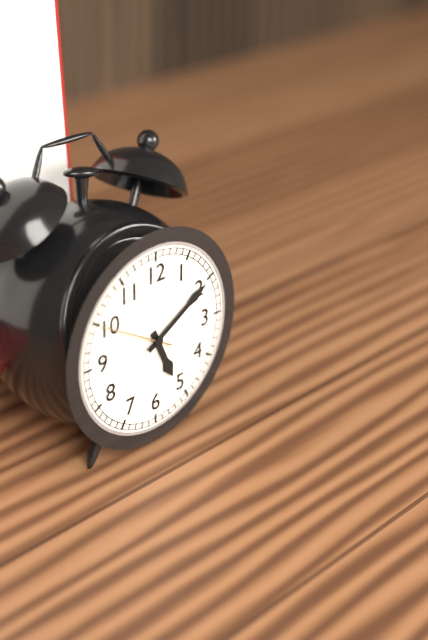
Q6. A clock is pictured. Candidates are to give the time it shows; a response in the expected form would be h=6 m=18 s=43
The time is h=5 m=10 s=50
